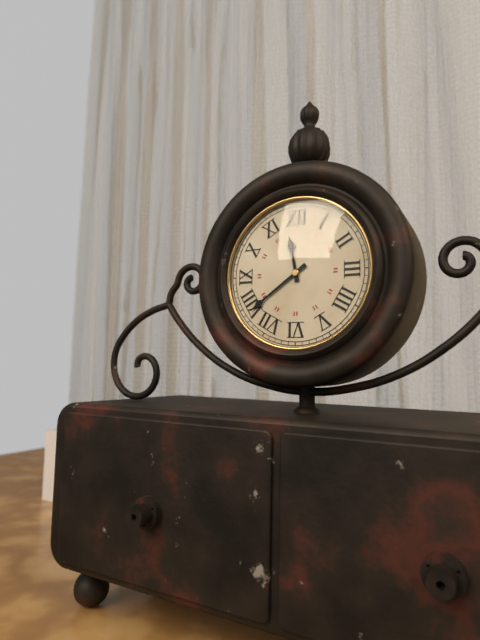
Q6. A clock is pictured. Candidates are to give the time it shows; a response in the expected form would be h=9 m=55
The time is h=11 m=39
